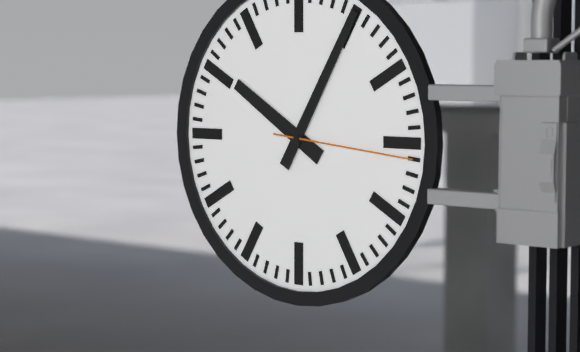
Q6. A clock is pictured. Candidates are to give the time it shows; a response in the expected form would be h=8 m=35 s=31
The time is h=10 m=5 s=16
